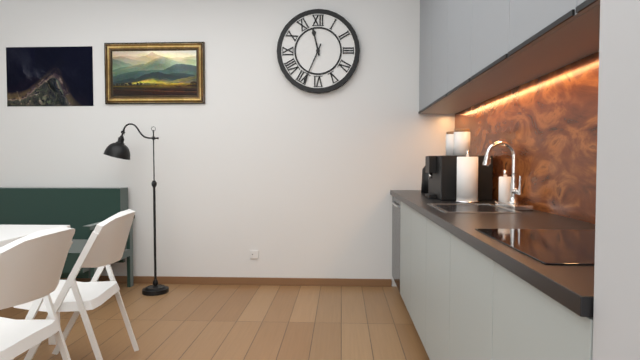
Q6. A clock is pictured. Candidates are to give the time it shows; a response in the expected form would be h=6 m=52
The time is h=11 m=34
